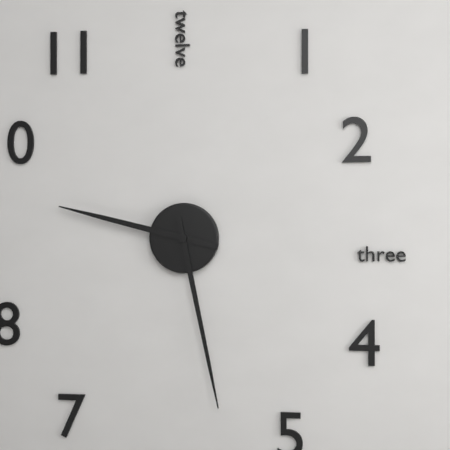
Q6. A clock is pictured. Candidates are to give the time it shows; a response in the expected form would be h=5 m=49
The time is h=9 m=28
